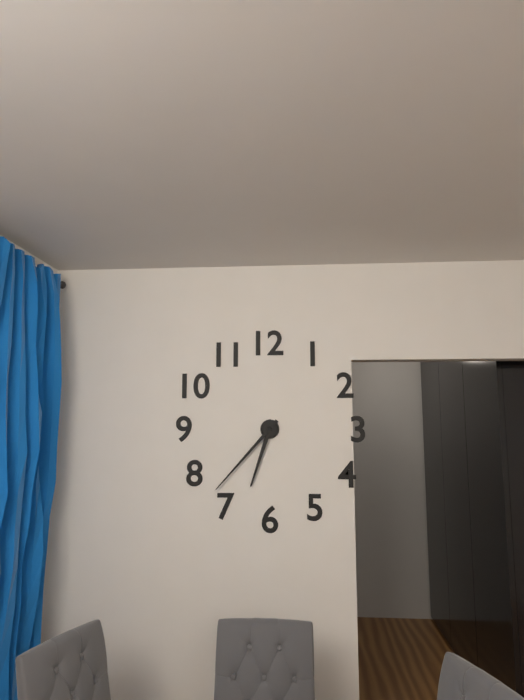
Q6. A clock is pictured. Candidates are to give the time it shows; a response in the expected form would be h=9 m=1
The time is h=6 m=37
